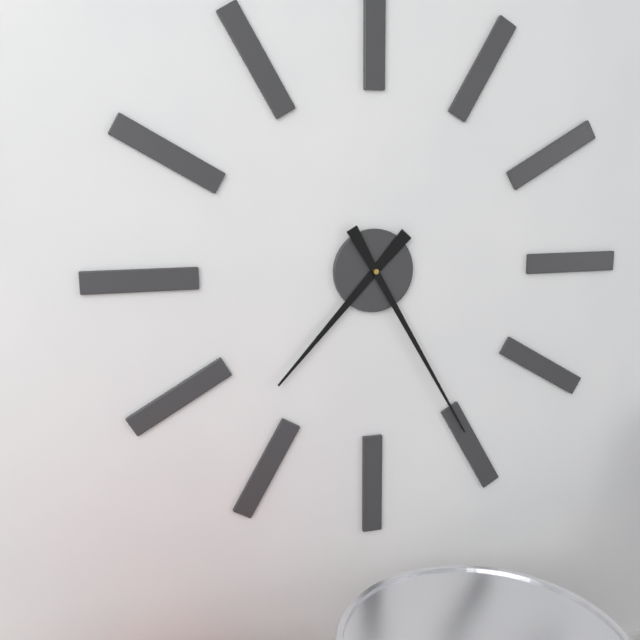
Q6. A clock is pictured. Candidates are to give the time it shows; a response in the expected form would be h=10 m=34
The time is h=7 m=25
